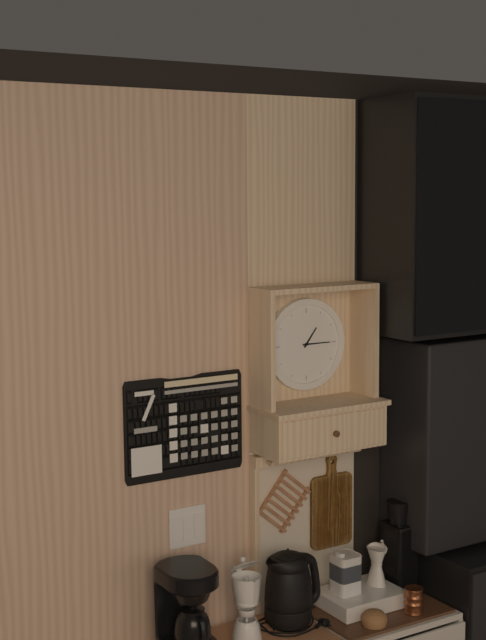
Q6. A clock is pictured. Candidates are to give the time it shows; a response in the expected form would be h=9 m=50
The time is h=1 m=15
